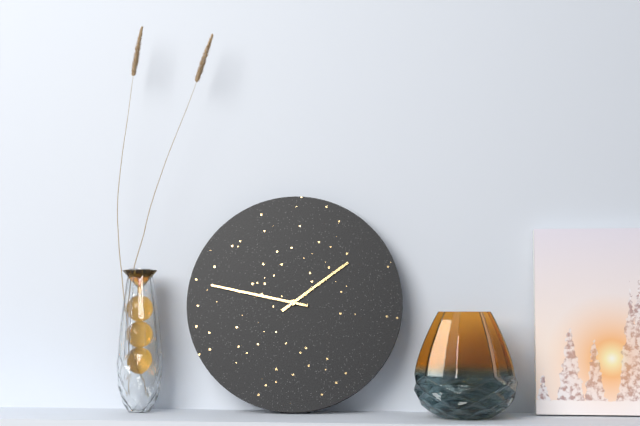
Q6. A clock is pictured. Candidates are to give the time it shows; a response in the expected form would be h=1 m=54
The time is h=1 m=47
